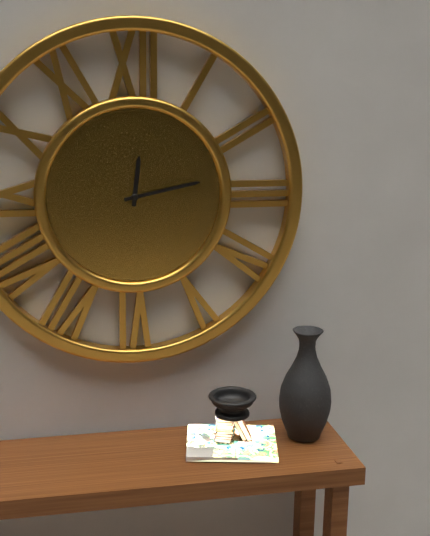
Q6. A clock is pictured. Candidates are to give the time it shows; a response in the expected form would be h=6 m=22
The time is h=12 m=13
